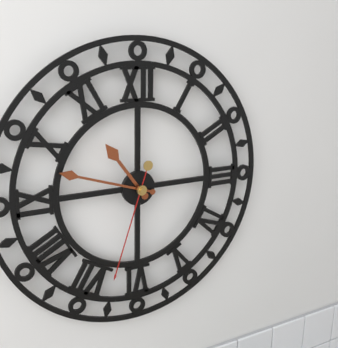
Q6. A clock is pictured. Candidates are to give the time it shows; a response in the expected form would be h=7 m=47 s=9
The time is h=10 m=48 s=33
